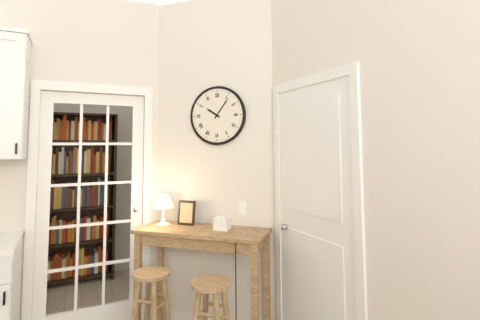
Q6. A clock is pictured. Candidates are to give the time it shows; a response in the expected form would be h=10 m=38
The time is h=10 m=6
